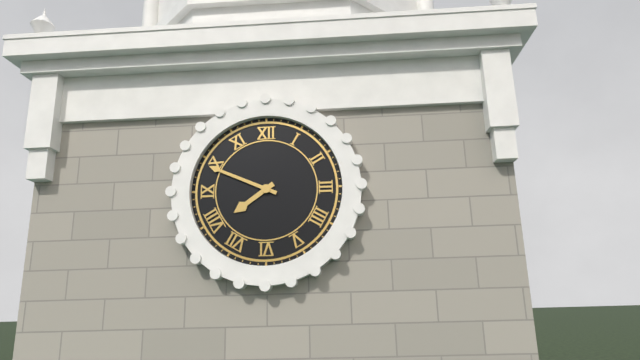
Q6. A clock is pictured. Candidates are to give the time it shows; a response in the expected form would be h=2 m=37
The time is h=7 m=49
